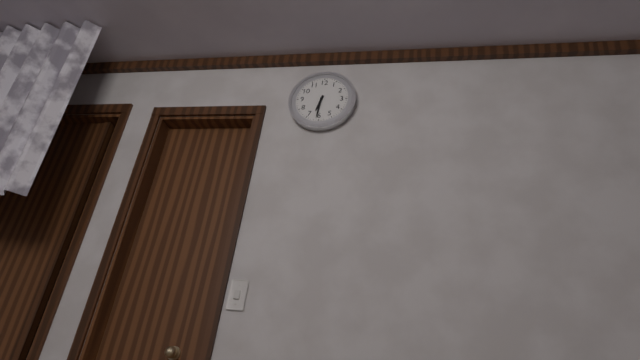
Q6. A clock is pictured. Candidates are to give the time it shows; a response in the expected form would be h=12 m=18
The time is h=6 m=31
